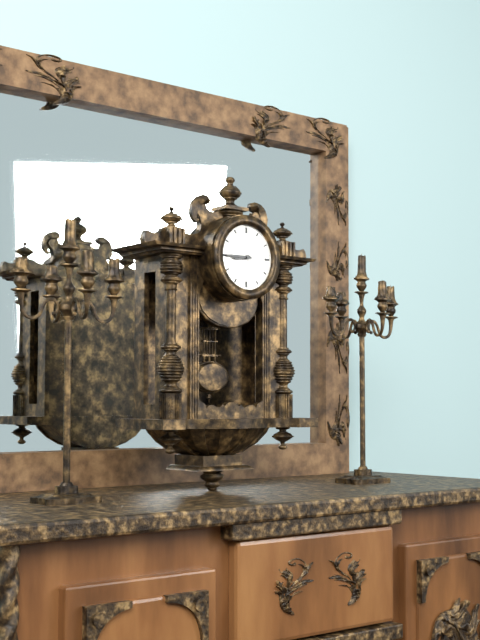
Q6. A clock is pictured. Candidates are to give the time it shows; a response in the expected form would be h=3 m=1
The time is h=8 m=45
